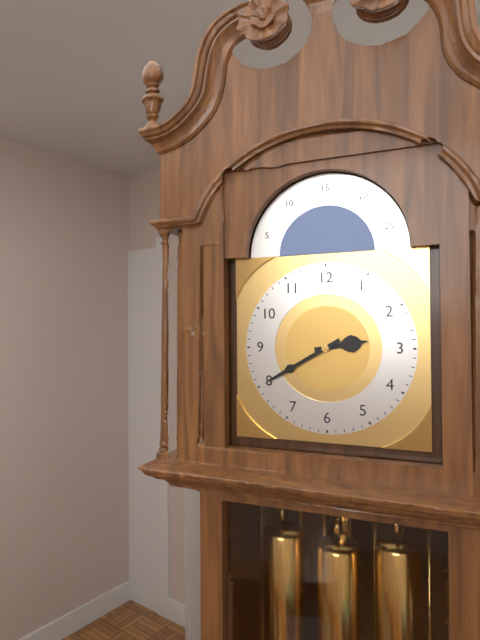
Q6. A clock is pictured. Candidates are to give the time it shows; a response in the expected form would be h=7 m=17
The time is h=2 m=40
